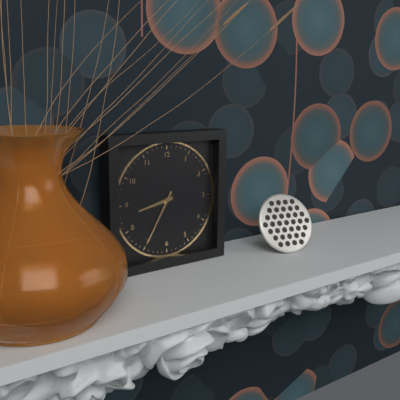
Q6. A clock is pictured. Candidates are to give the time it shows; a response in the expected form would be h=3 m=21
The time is h=8 m=35
